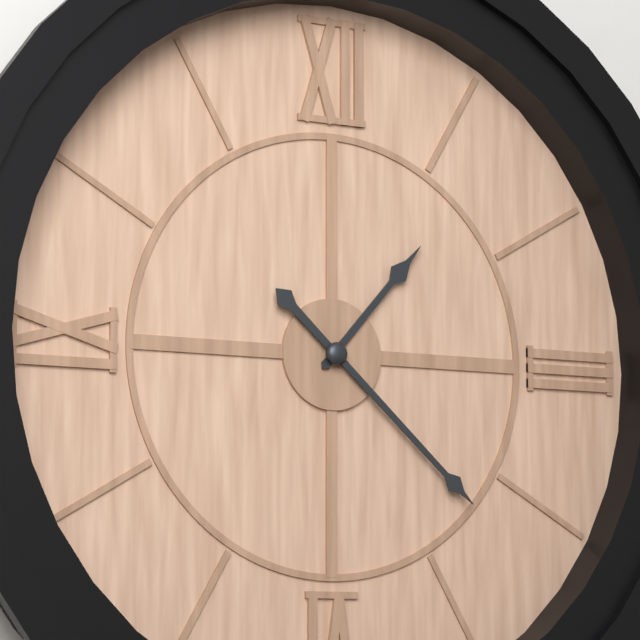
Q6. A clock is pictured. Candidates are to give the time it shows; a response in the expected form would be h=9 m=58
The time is h=1 m=22
